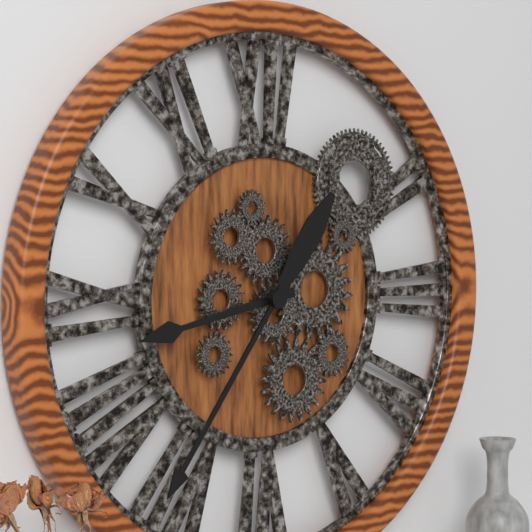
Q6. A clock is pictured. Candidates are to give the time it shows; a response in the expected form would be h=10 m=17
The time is h=8 m=36
